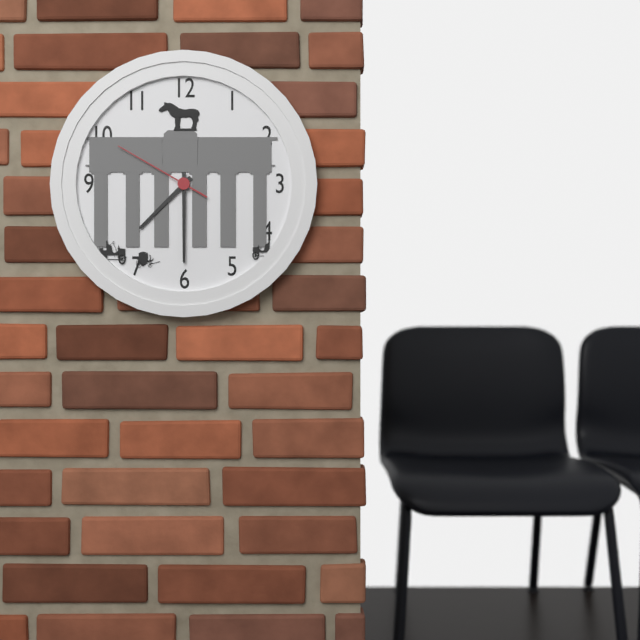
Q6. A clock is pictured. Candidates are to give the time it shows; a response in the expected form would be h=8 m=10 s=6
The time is h=7 m=30 s=50
